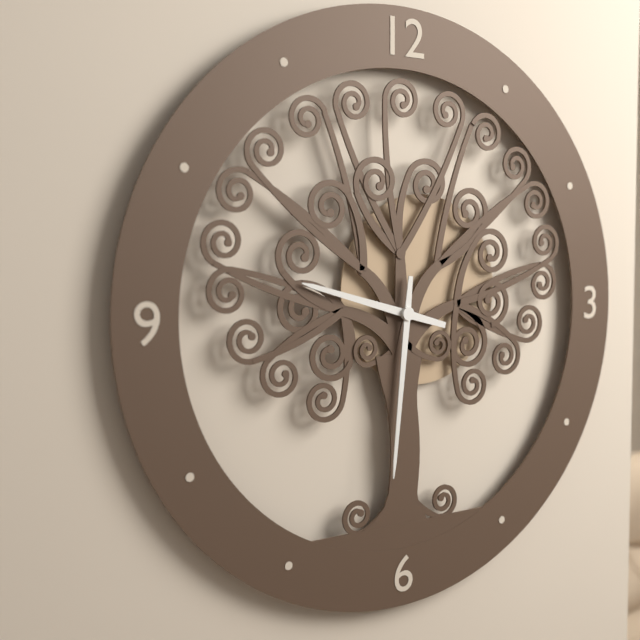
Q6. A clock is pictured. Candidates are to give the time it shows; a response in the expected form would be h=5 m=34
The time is h=9 m=31
